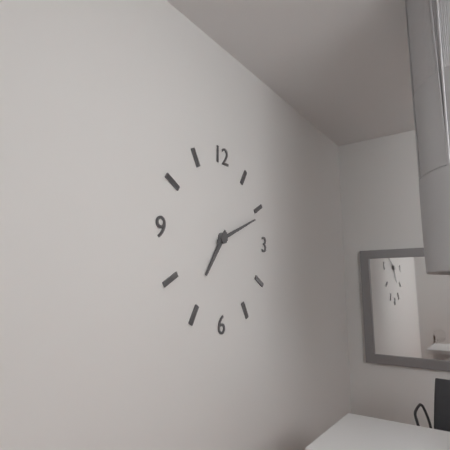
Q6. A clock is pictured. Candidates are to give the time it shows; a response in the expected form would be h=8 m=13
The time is h=7 m=11
